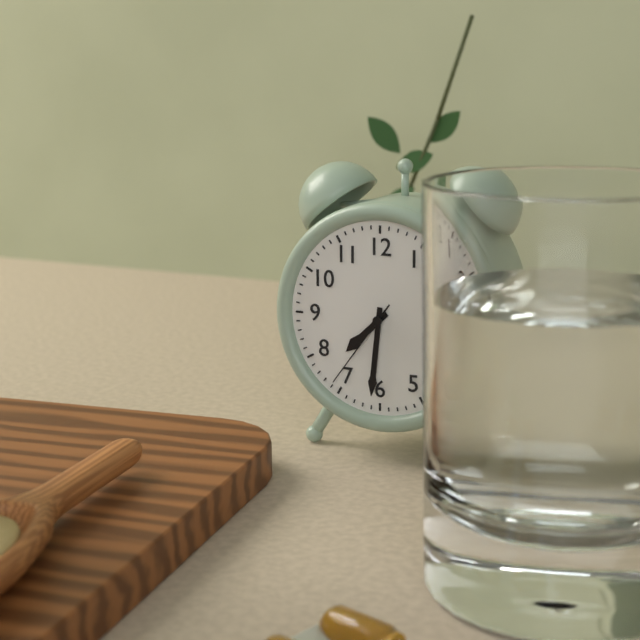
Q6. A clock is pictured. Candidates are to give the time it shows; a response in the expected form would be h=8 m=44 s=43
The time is h=7 m=31 s=36
